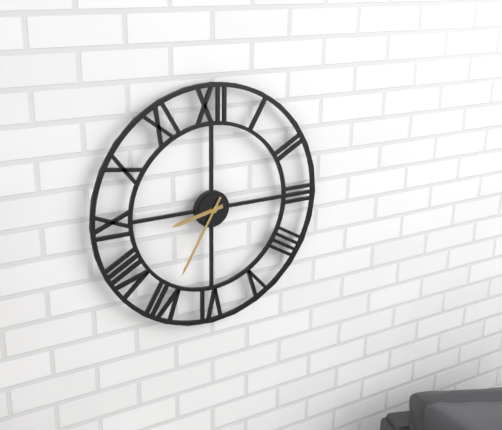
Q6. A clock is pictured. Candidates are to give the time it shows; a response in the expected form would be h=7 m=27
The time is h=8 m=35
